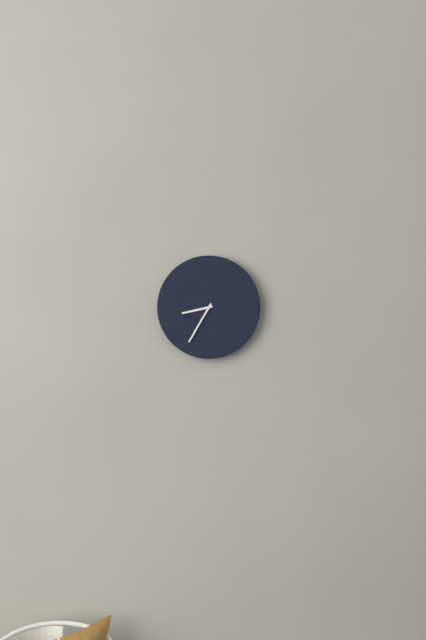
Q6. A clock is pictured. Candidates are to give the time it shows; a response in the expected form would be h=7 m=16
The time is h=8 m=35
